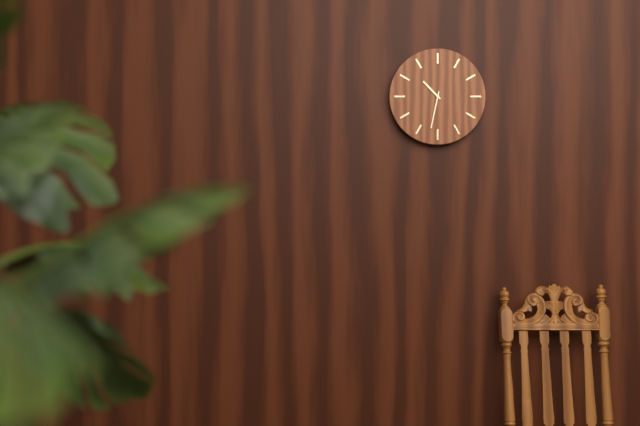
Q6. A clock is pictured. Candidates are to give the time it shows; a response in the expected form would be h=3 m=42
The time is h=10 m=32
